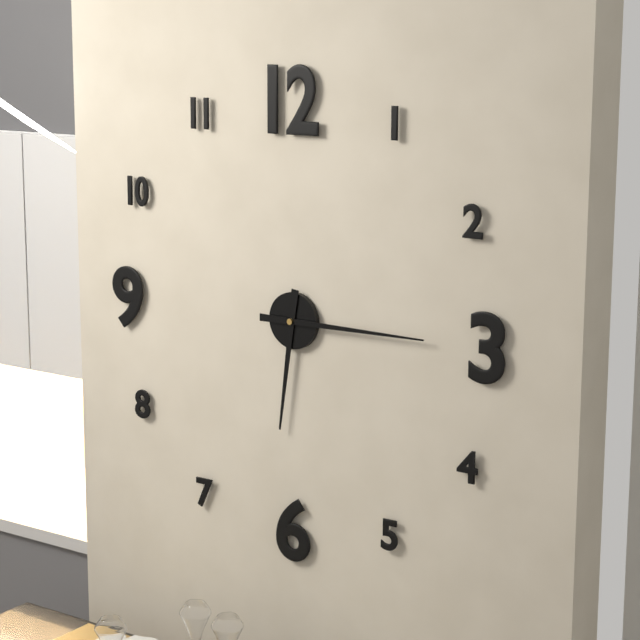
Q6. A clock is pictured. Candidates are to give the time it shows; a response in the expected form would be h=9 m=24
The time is h=6 m=15
